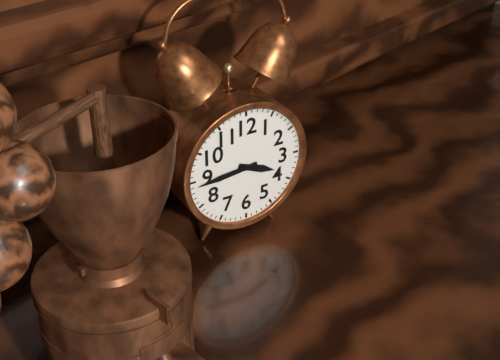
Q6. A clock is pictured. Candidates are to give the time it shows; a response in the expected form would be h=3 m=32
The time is h=3 m=44
